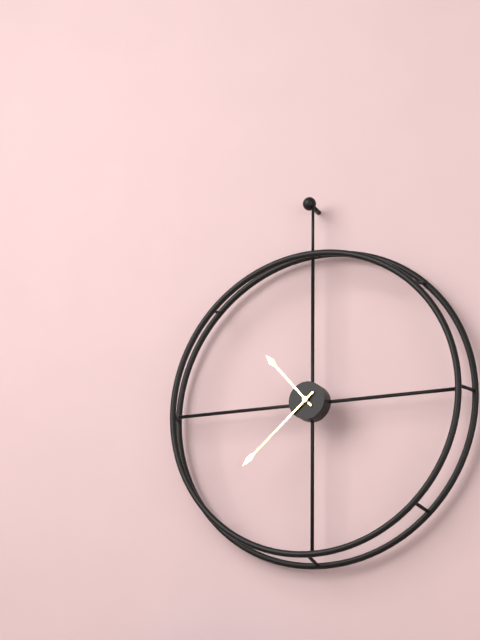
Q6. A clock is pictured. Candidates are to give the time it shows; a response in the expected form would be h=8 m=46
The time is h=10 m=38
